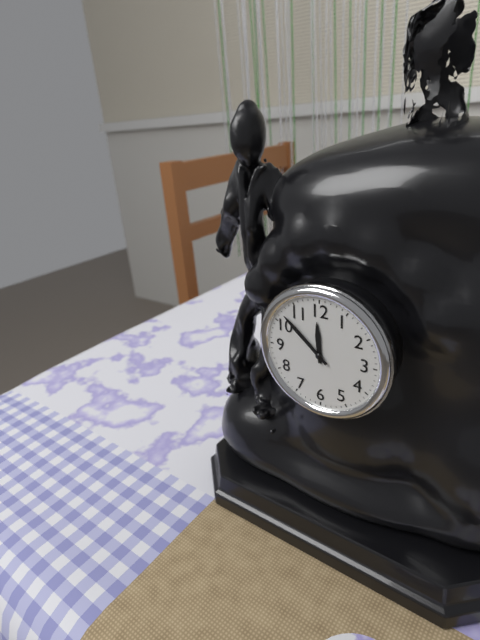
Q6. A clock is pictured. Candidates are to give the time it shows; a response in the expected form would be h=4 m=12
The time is h=11 m=52
